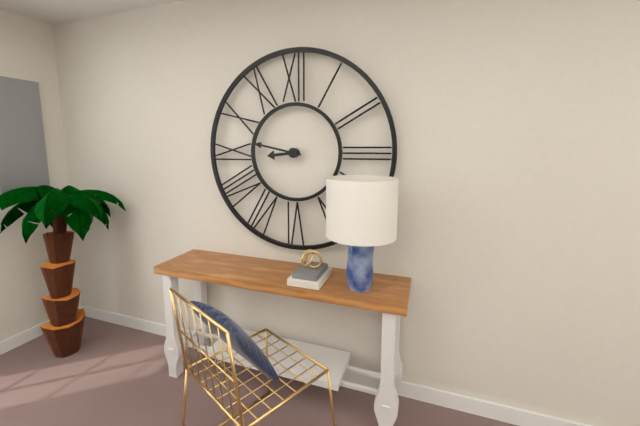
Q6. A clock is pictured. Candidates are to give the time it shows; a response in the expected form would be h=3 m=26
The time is h=8 m=47
